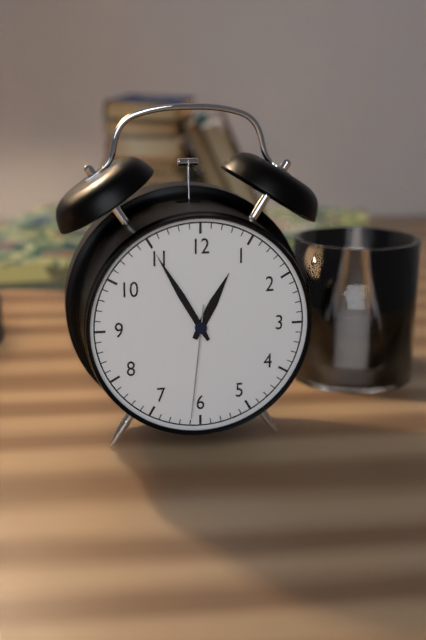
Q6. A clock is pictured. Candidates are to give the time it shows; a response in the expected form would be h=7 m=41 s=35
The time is h=12 m=55 s=31
